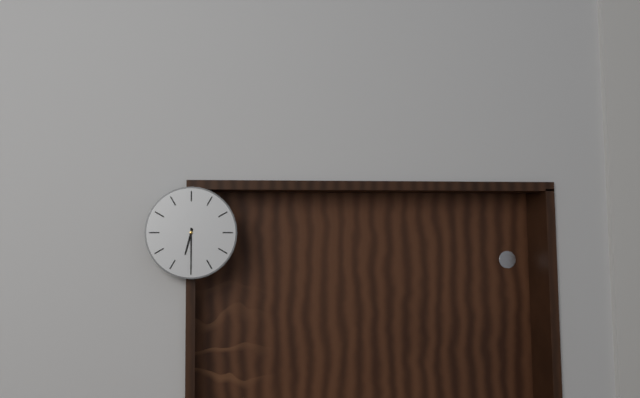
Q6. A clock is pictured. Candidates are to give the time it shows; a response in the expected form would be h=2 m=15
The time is h=6 m=30
